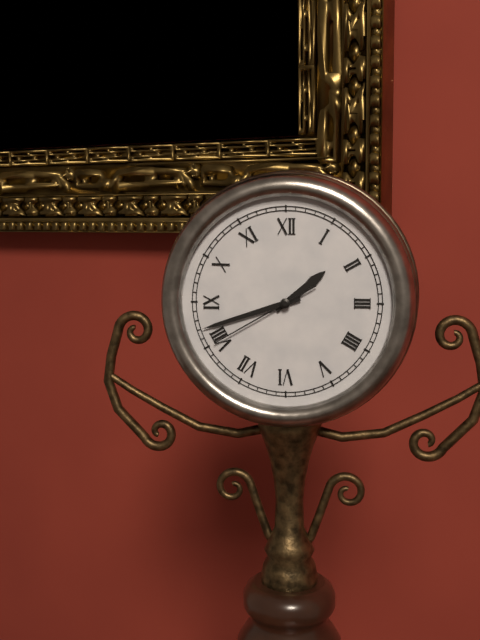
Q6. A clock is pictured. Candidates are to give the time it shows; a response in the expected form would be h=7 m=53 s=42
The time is h=1 m=42 s=40
